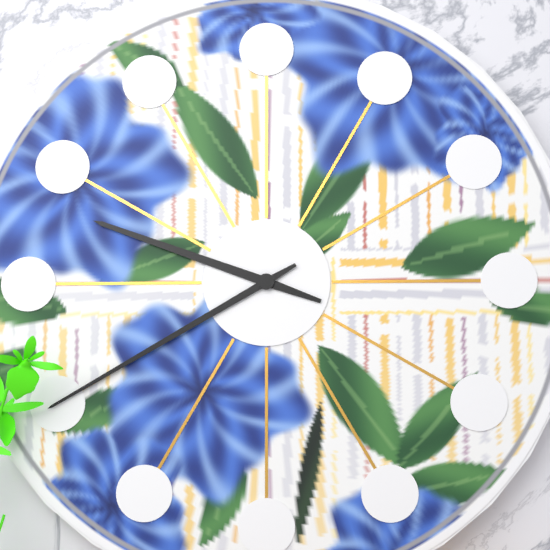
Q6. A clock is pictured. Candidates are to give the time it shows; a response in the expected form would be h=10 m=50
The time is h=9 m=40
